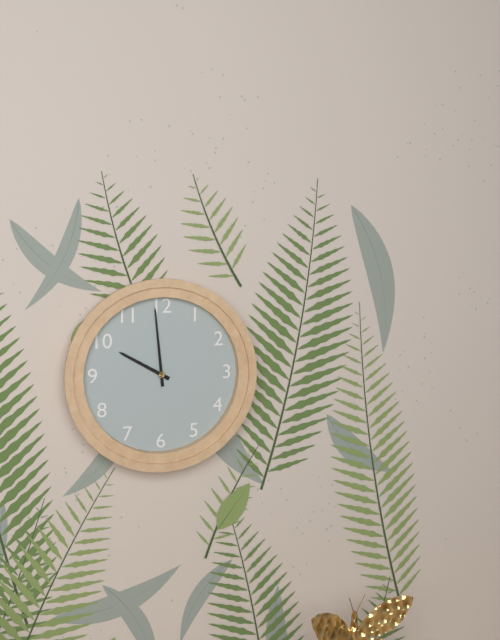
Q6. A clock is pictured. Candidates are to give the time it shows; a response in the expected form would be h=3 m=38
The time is h=9 m=59
